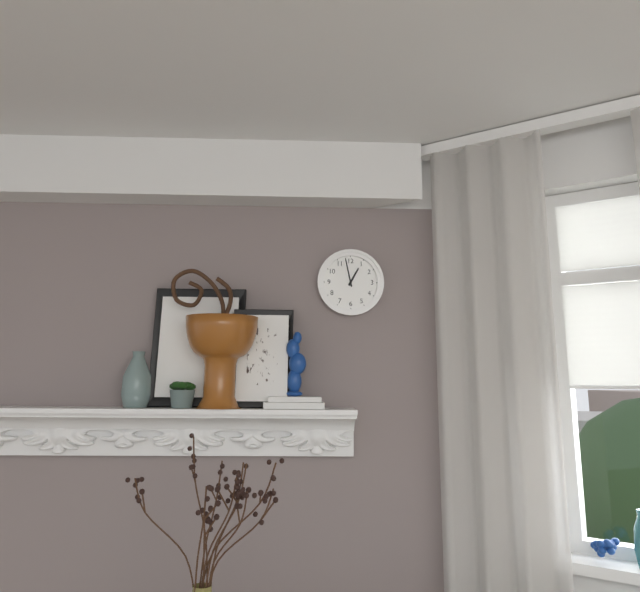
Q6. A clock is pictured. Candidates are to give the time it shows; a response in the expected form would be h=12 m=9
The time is h=12 m=58
